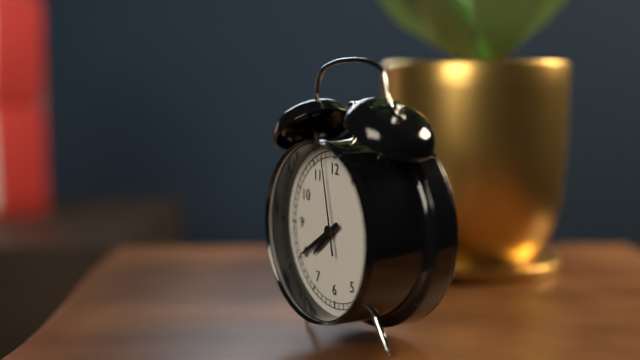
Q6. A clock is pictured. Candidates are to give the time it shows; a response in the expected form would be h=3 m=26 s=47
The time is h=7 m=40 s=58
